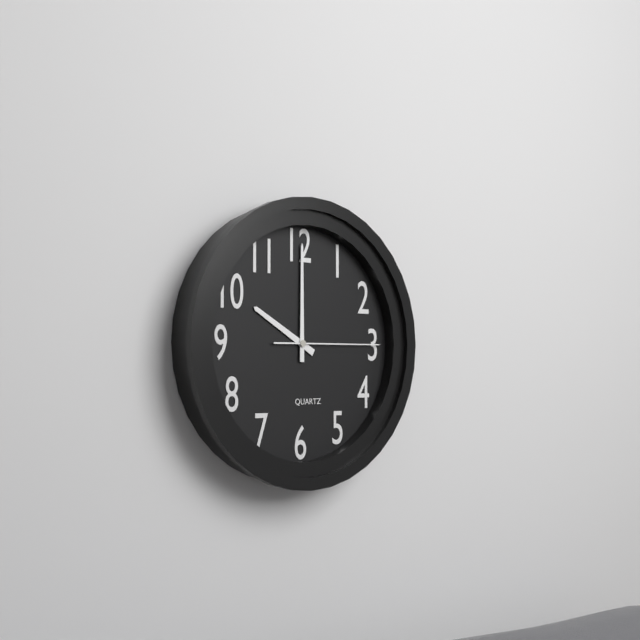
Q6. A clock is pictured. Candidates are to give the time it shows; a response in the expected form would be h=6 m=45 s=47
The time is h=10 m=0 s=15
